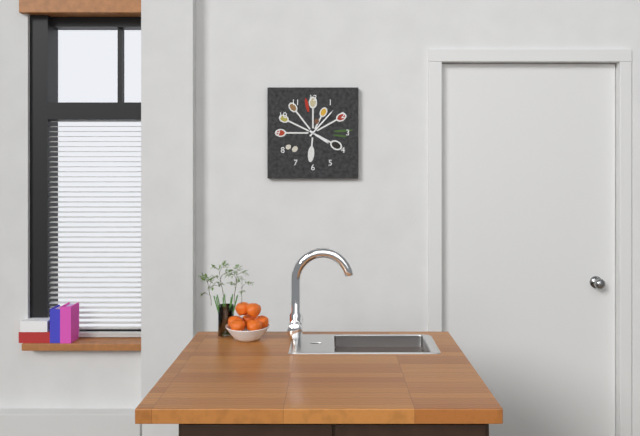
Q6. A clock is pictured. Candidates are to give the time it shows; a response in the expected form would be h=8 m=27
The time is h=4 m=7
